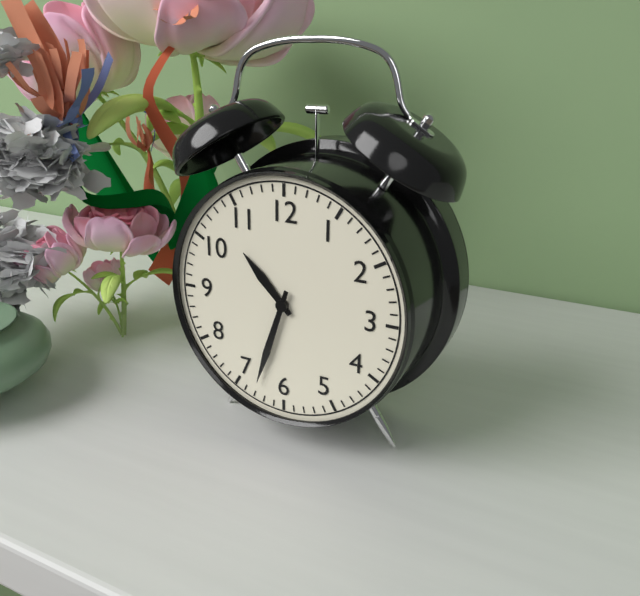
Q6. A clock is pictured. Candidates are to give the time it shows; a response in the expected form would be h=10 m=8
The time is h=10 m=33
